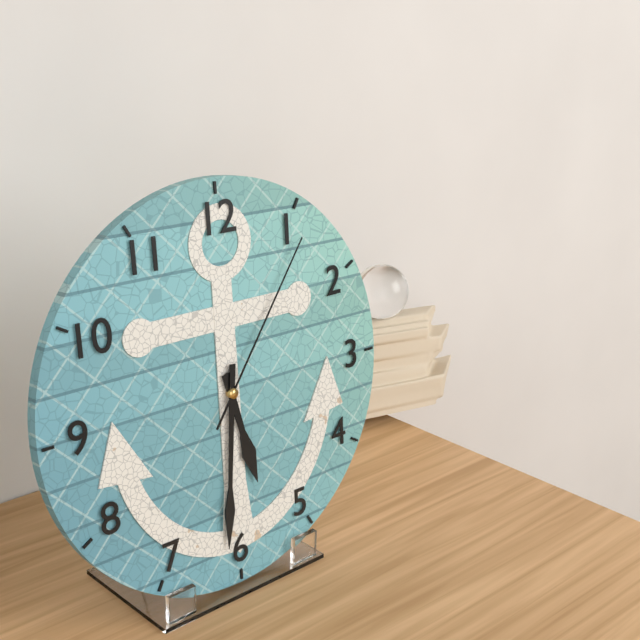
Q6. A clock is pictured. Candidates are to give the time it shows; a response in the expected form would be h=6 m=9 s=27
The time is h=5 m=31 s=6
